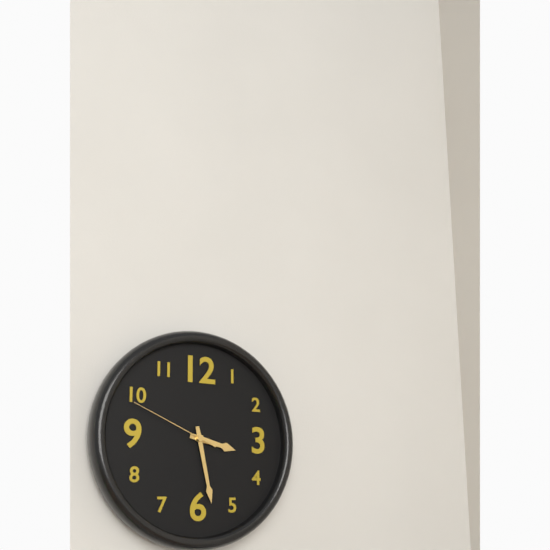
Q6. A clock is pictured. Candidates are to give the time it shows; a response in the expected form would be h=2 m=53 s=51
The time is h=3 m=28 s=49
